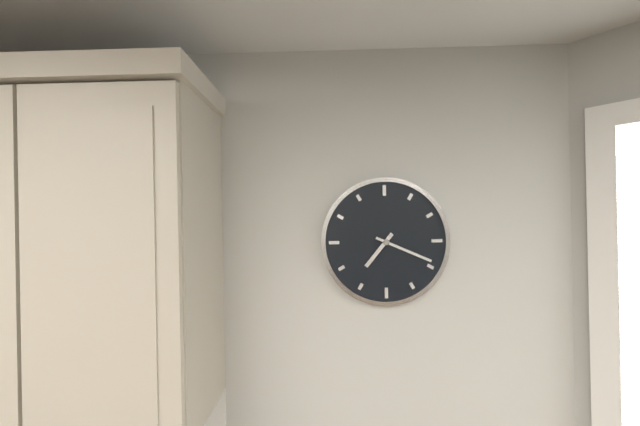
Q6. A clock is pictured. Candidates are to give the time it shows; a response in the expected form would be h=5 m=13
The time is h=7 m=19
